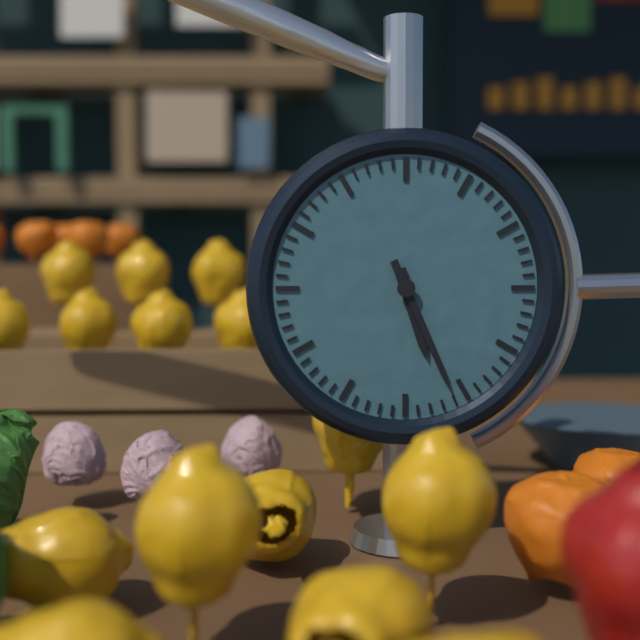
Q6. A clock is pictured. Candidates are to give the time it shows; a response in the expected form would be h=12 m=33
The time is h=5 m=26
